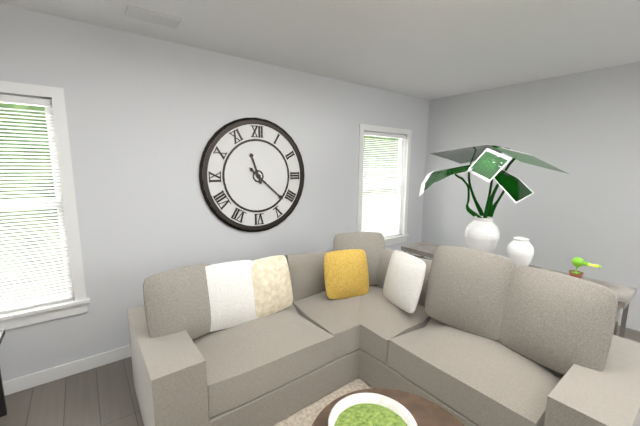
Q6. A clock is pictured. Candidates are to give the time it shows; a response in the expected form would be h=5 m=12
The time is h=11 m=22
